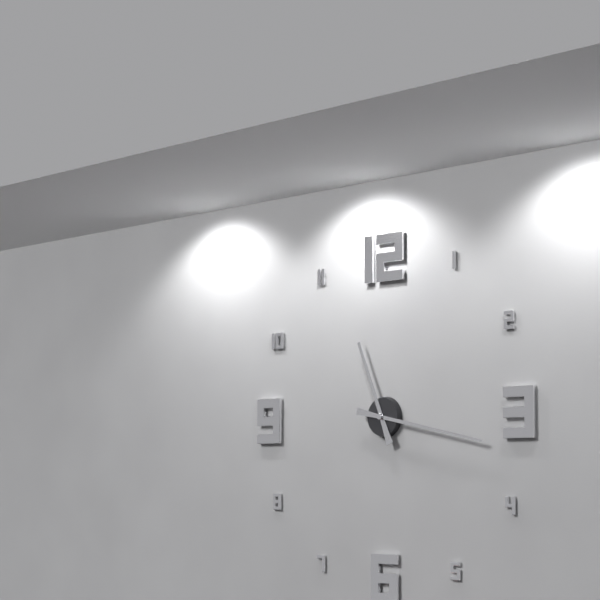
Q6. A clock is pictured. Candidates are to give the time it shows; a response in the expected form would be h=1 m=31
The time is h=11 m=17
